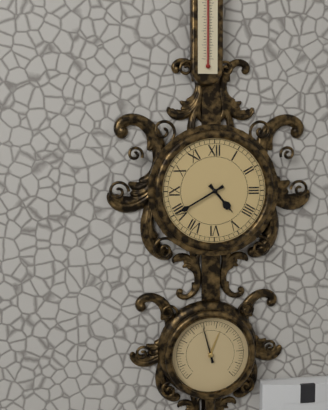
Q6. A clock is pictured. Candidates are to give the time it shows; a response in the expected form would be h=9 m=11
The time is h=4 m=40
